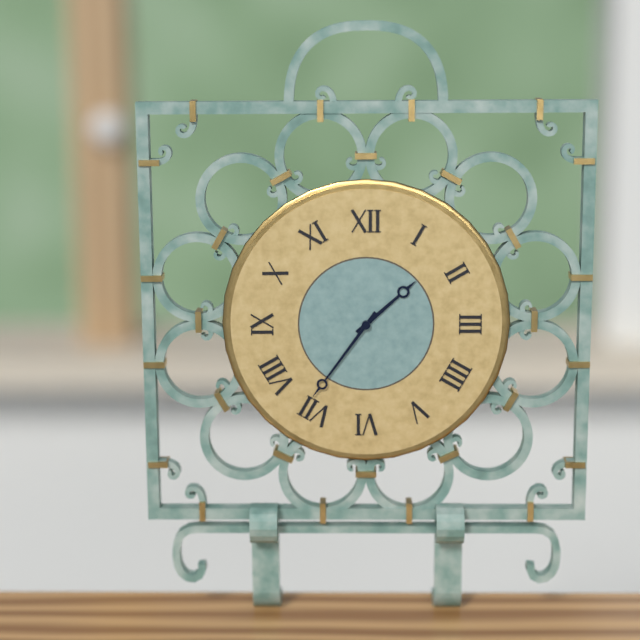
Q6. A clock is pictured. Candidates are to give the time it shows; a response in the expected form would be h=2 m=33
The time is h=1 m=36
